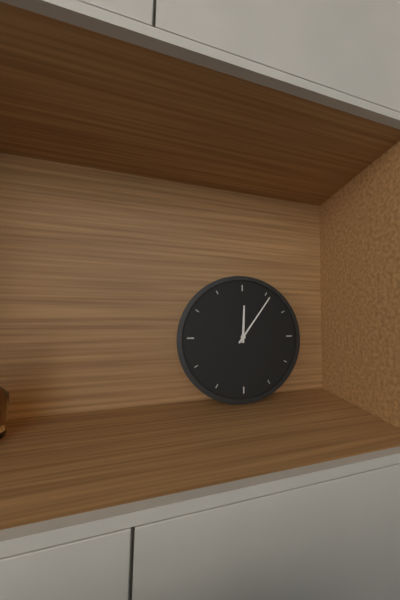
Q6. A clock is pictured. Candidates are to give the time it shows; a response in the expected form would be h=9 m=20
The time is h=12 m=6
